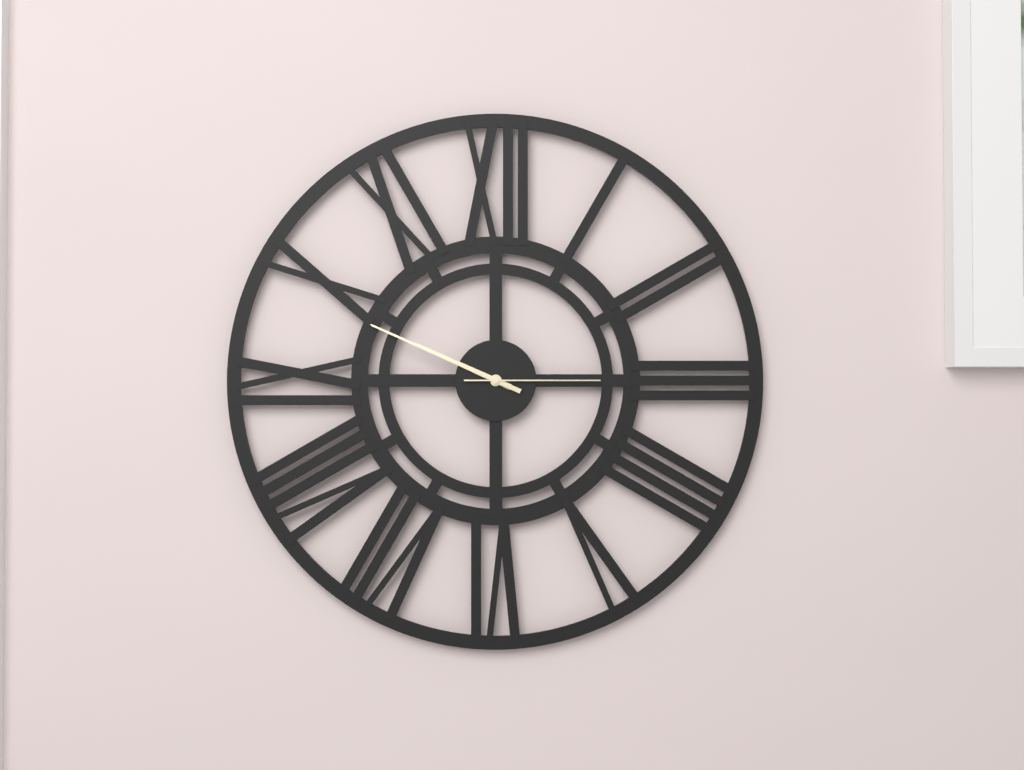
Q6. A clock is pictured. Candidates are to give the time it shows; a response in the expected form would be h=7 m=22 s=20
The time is h=9 m=49 s=15
